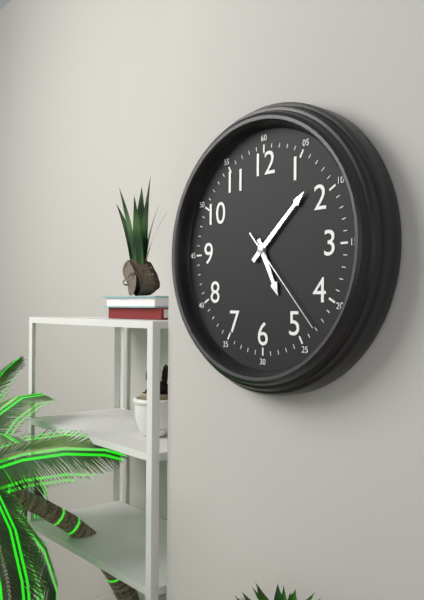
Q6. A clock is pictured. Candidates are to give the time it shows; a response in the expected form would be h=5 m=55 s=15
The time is h=5 m=8 s=23
